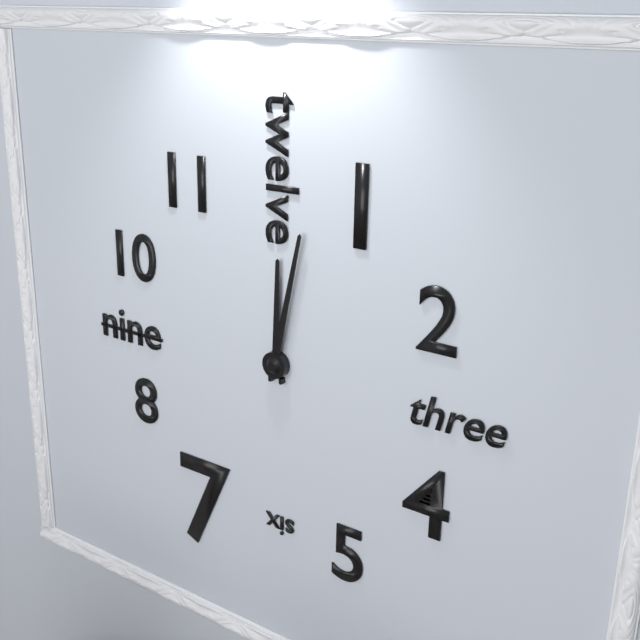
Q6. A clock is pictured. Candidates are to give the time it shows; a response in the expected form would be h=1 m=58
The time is h=12 m=2
